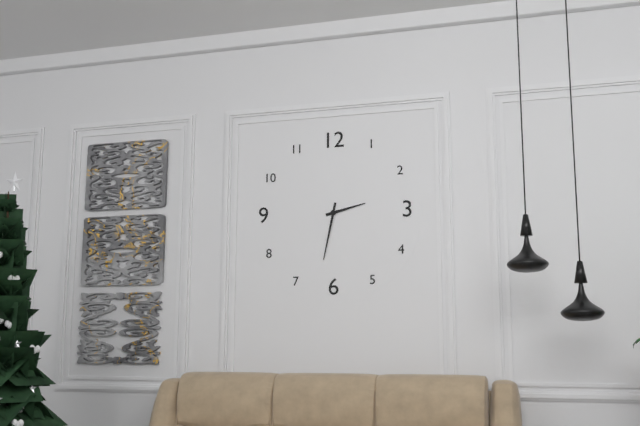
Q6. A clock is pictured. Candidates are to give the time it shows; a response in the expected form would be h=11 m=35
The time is h=2 m=32
